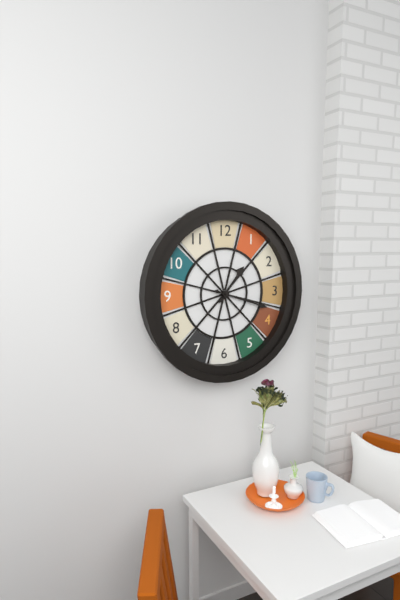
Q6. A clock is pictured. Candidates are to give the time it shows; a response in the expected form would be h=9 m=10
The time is h=1 m=18
